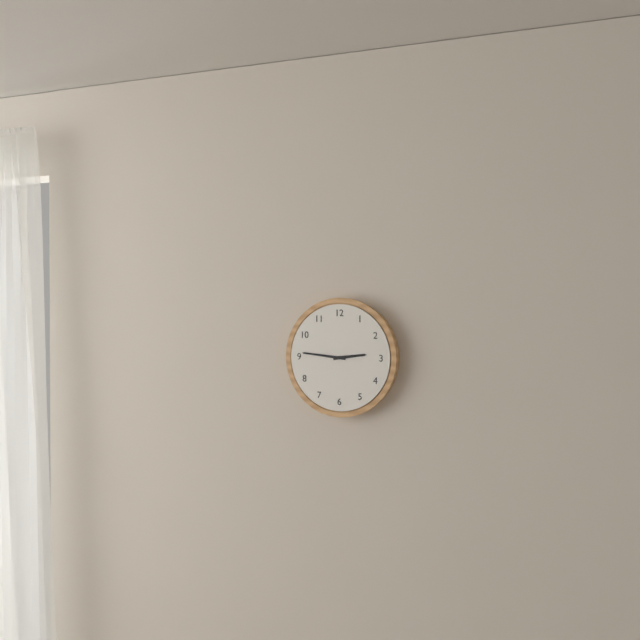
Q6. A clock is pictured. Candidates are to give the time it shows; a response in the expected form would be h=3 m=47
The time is h=2 m=46
